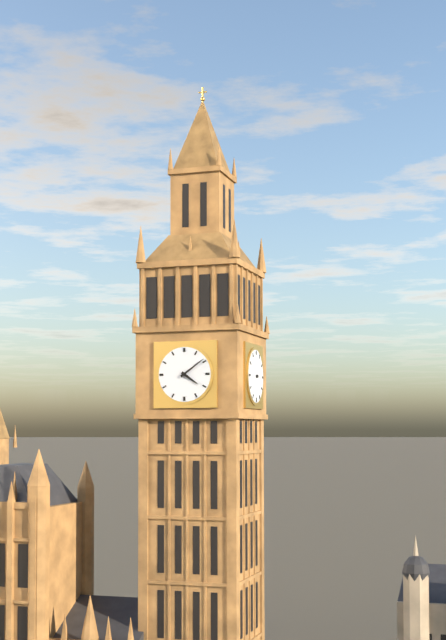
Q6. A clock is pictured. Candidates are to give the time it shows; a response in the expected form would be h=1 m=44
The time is h=4 m=9
